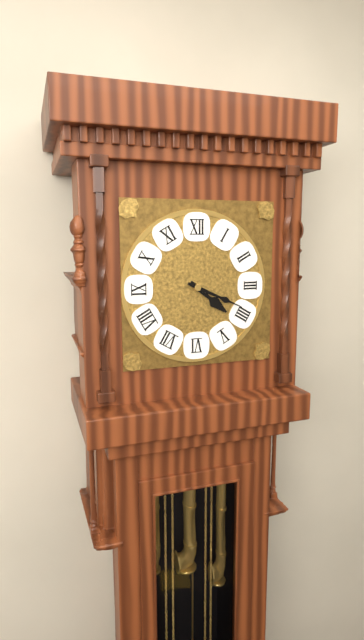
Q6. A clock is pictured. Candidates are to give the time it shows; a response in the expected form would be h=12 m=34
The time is h=4 m=19
